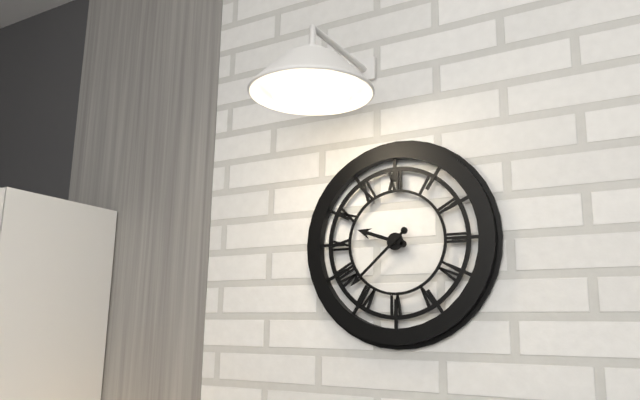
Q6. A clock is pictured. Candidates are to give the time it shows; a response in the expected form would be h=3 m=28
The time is h=9 m=38
